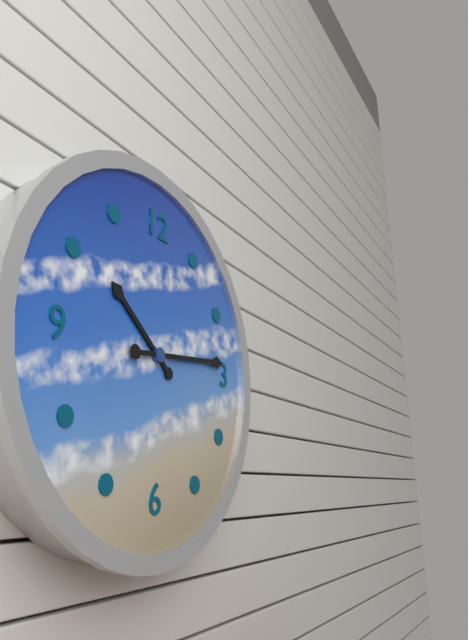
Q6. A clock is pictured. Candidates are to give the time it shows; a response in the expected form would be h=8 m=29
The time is h=10 m=14
